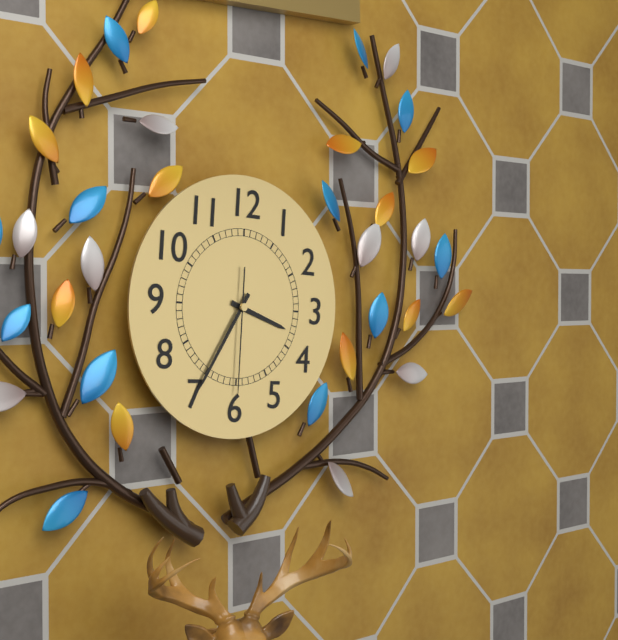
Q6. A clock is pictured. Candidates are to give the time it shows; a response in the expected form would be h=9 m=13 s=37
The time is h=3 m=35 s=30
